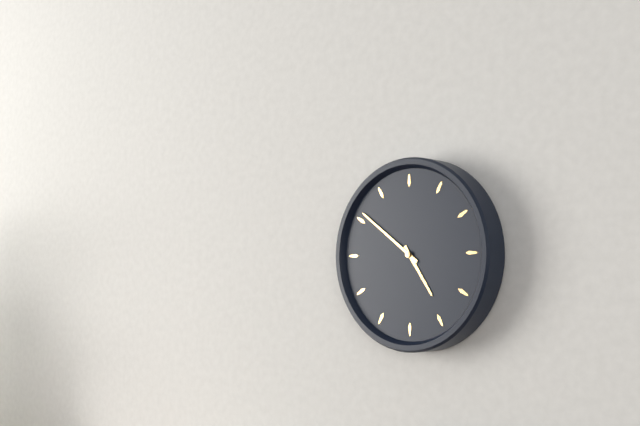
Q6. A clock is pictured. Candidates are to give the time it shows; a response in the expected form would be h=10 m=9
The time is h=4 m=51
